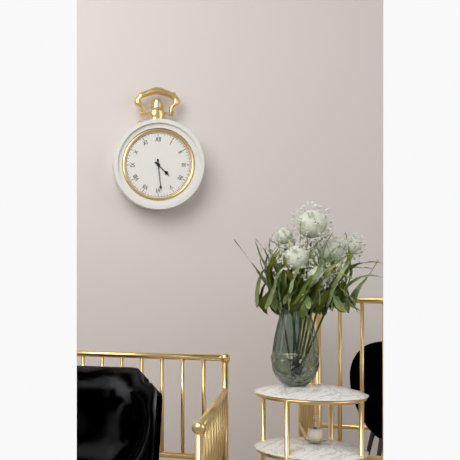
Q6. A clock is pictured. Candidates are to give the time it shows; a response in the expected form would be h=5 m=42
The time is h=4 m=29
